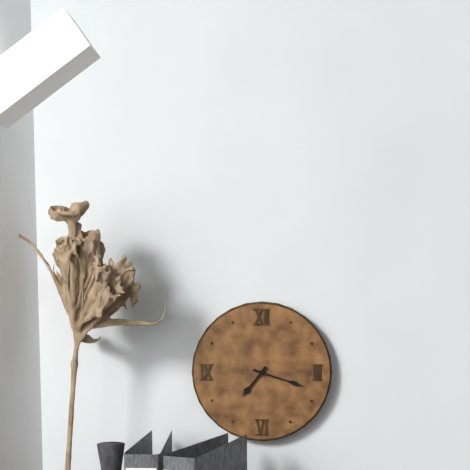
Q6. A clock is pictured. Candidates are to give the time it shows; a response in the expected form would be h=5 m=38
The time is h=7 m=18
